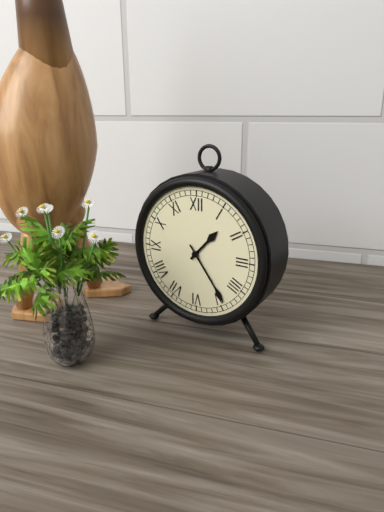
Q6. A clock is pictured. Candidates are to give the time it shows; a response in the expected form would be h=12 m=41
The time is h=1 m=24
